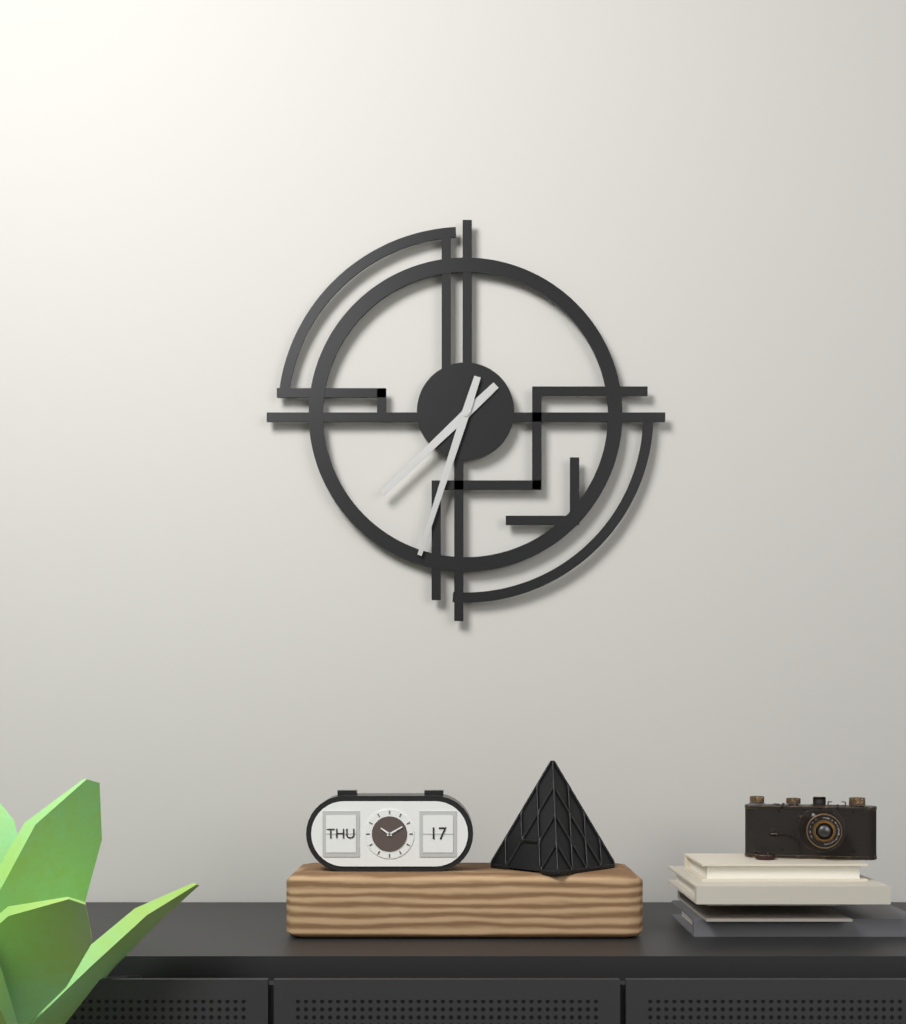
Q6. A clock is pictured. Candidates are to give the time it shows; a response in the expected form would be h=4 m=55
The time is h=7 m=33
